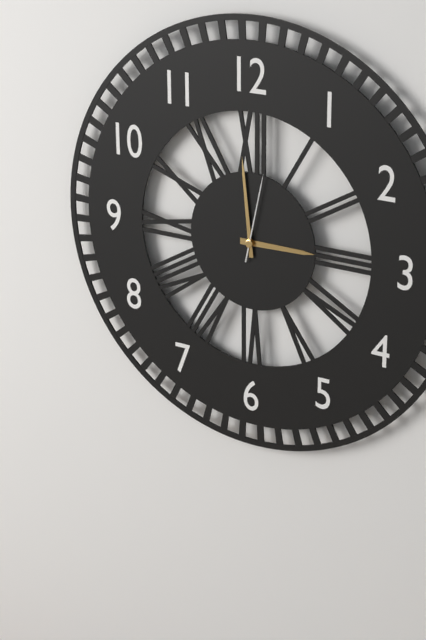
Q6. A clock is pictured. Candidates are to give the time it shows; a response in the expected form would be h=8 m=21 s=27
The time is h=2 m=59 s=2
